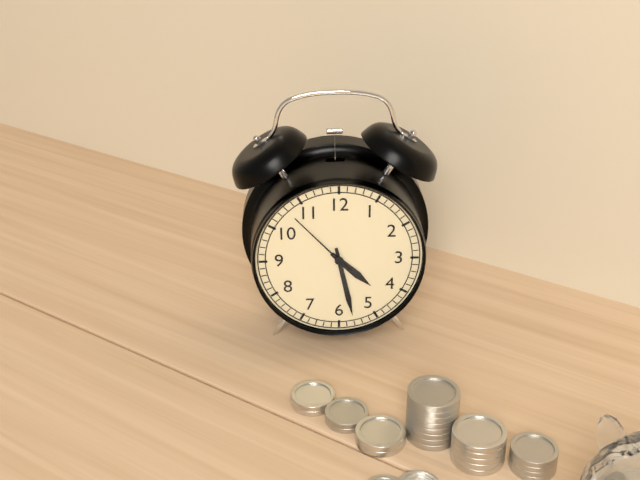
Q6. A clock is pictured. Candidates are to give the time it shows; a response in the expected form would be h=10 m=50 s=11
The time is h=4 m=28 s=53
